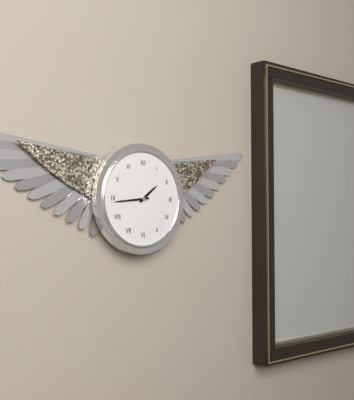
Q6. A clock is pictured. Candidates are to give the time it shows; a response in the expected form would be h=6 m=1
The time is h=1 m=44
